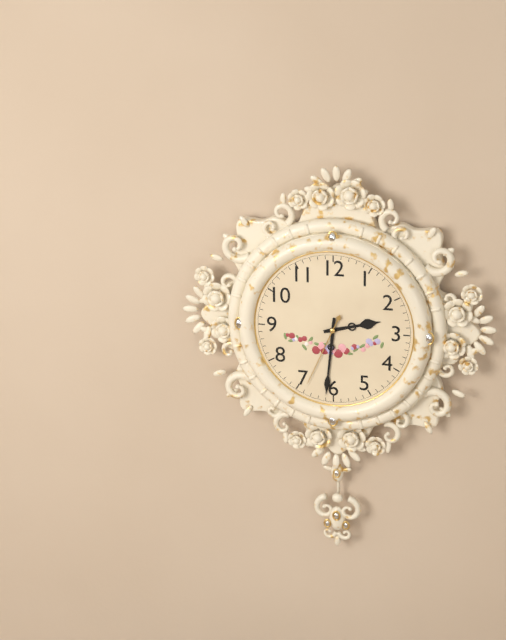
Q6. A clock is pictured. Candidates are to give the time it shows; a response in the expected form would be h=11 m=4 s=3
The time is h=2 m=31 s=34
